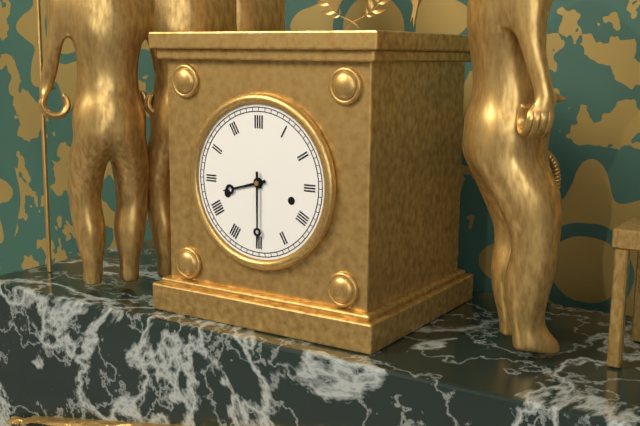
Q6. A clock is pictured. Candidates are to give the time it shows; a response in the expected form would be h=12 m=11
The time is h=8 m=30
